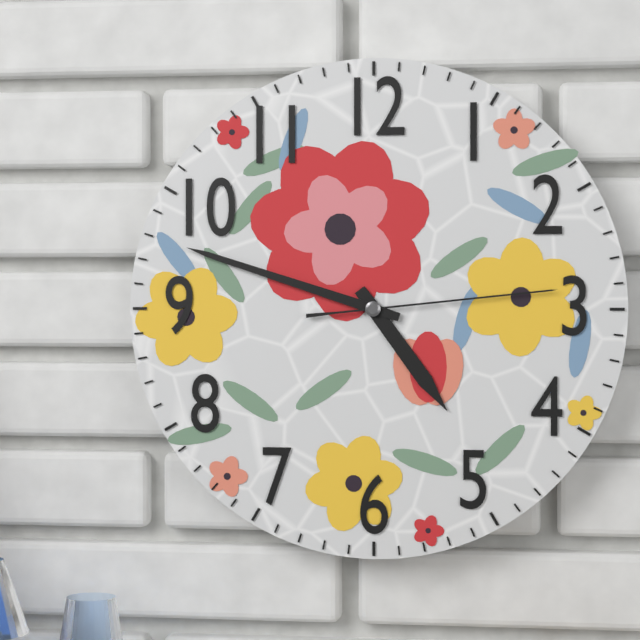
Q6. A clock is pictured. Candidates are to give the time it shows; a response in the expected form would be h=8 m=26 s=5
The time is h=4 m=48 s=14
